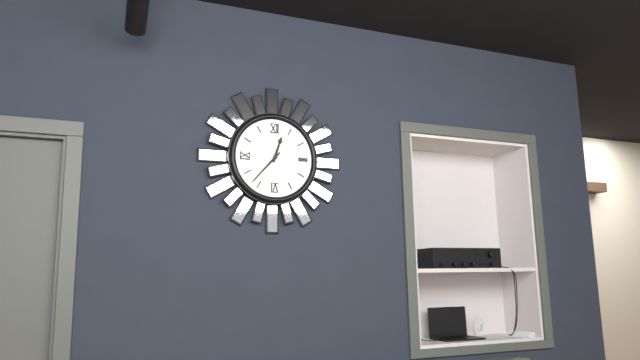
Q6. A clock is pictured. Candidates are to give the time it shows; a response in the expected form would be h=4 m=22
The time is h=12 m=37
